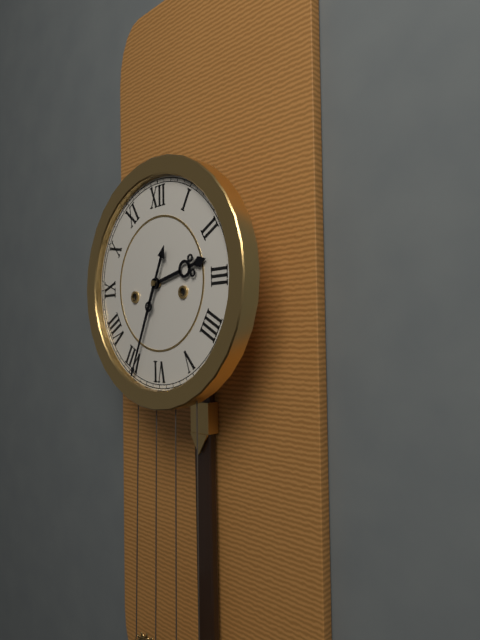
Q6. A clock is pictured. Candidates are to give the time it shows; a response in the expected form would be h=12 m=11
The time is h=2 m=34
